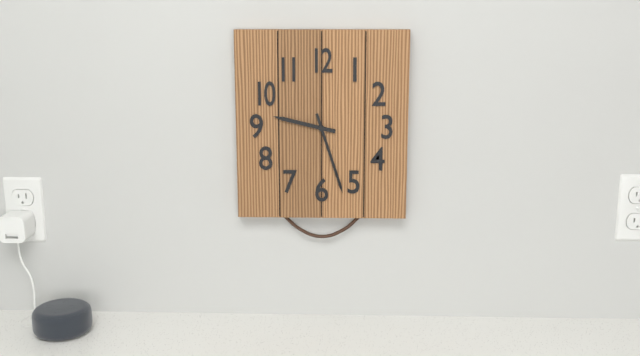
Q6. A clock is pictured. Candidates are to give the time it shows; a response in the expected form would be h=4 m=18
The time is h=9 m=27
